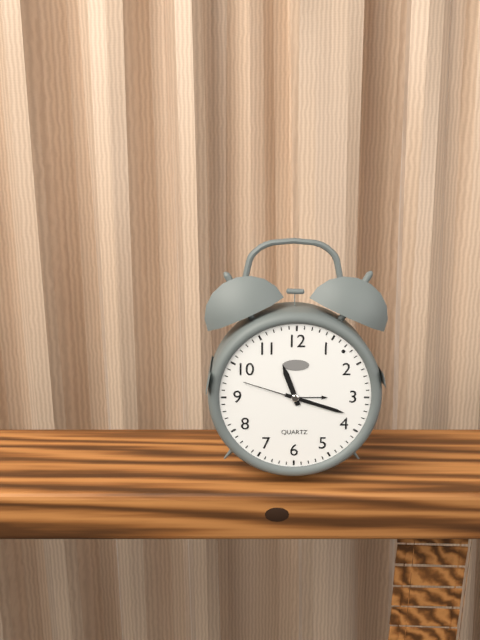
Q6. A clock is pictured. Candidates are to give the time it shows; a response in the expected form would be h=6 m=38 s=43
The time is h=11 m=18 s=48
